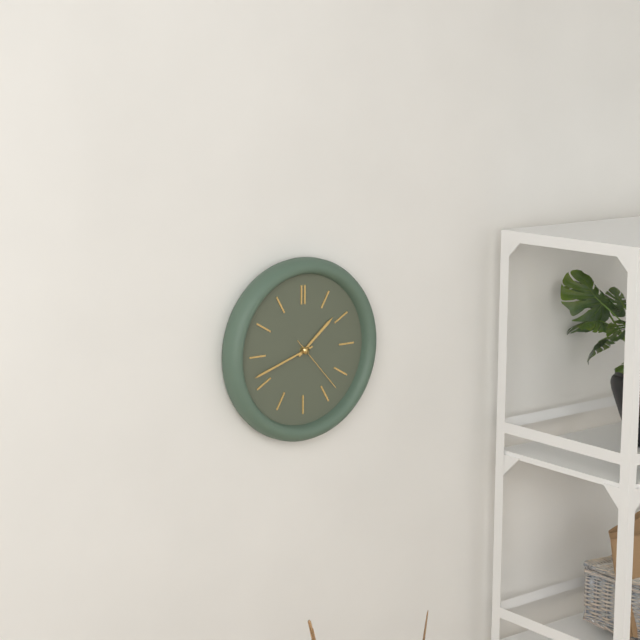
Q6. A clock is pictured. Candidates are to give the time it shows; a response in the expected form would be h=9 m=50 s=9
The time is h=1 m=42 s=23
